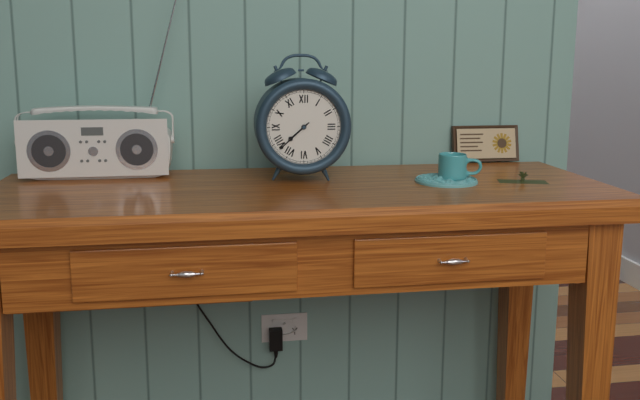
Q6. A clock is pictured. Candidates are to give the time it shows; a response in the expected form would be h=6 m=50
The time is h=7 m=38
